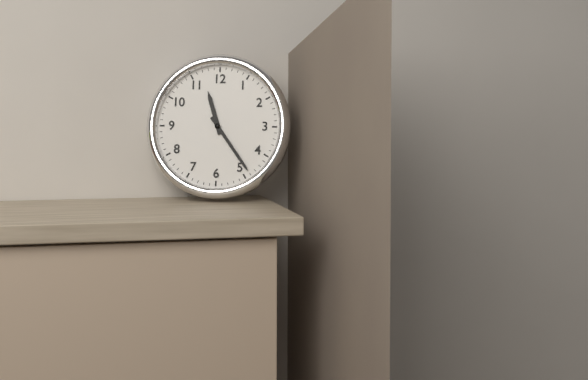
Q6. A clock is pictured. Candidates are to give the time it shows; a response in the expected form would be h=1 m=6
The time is h=11 m=24
